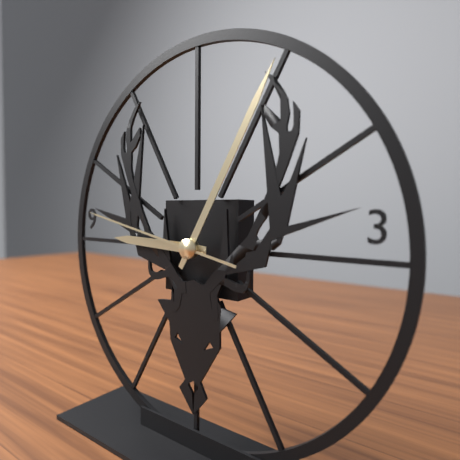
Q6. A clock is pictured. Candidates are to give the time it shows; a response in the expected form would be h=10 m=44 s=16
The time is h=9 m=5 s=47
